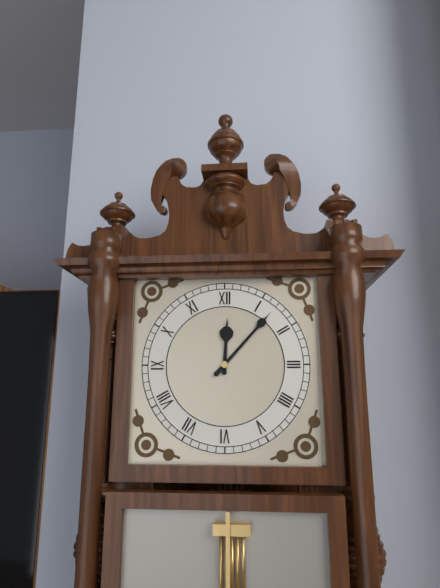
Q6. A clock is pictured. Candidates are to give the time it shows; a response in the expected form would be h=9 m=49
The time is h=12 m=7
